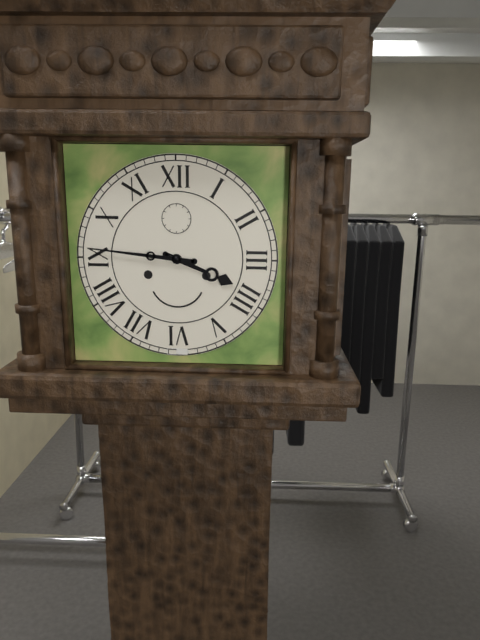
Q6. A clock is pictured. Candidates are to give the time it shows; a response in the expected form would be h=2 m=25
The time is h=3 m=46
